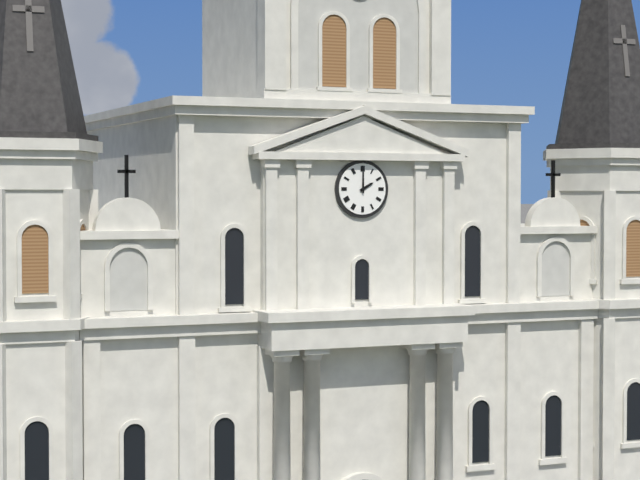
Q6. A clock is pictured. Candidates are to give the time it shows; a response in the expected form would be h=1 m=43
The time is h=2 m=0
